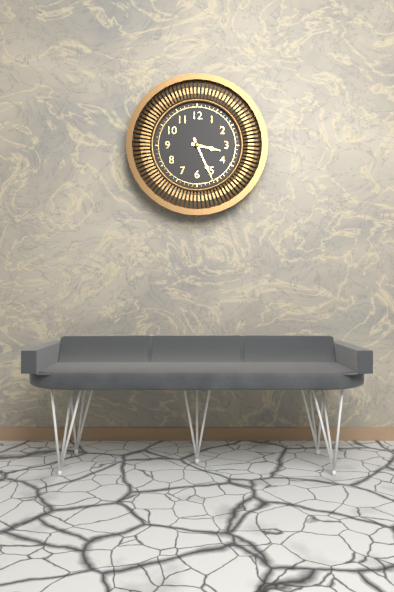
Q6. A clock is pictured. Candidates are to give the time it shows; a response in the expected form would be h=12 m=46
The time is h=3 m=26
